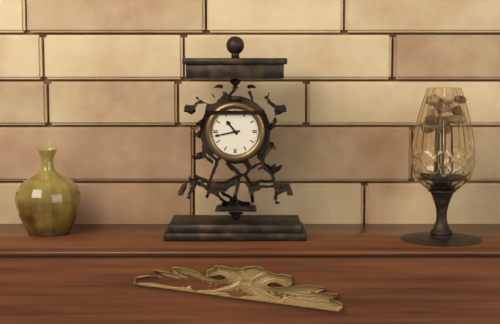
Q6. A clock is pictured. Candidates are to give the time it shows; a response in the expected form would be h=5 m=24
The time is h=10 m=43
